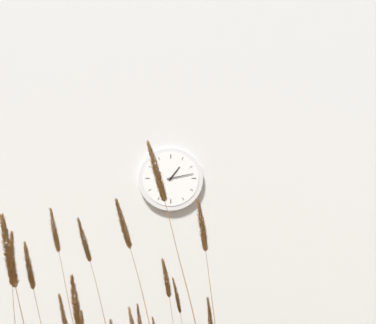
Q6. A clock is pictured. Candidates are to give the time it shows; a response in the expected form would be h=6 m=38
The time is h=1 m=13
